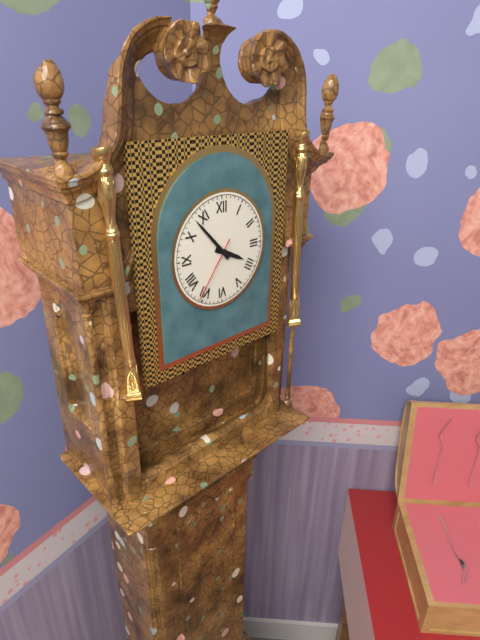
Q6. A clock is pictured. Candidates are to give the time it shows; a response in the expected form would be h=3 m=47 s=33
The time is h=3 m=53 s=36
